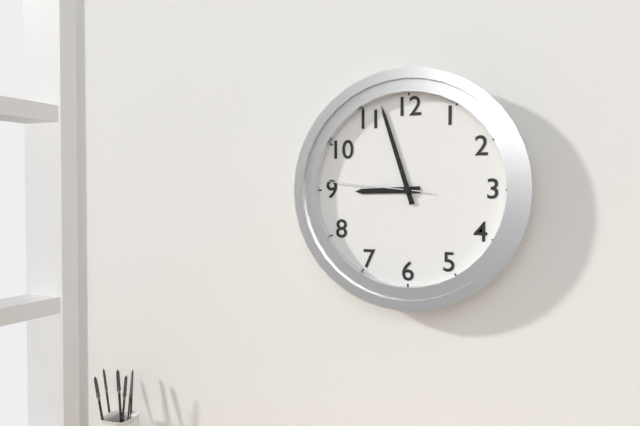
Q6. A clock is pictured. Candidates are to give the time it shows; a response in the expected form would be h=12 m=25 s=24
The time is h=8 m=57 s=46
